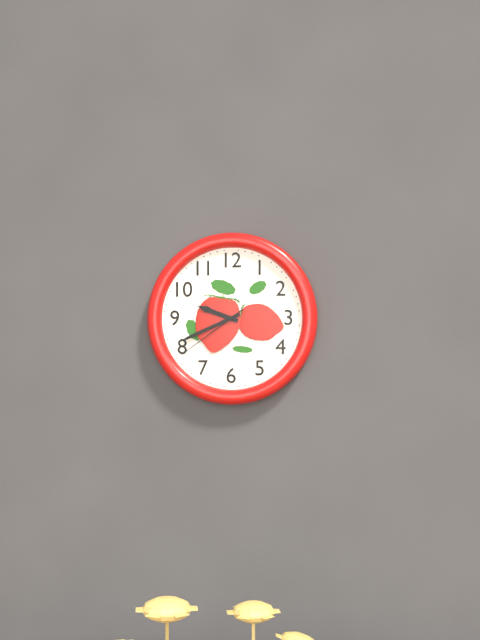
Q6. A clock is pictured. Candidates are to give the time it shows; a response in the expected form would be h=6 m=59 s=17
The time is h=9 m=41 s=39
